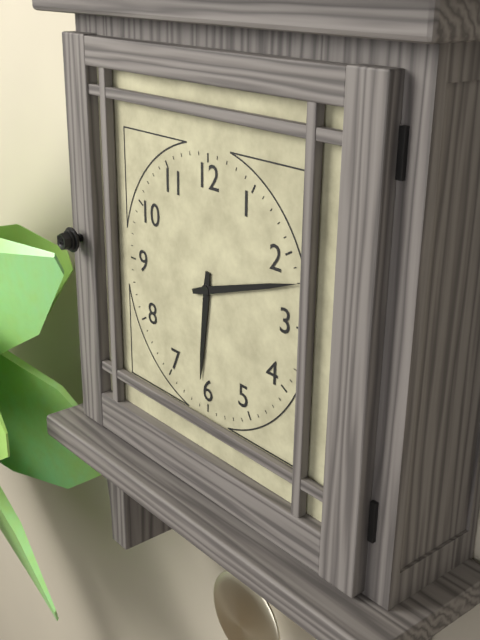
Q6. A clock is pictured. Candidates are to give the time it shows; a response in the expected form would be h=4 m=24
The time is h=6 m=12
